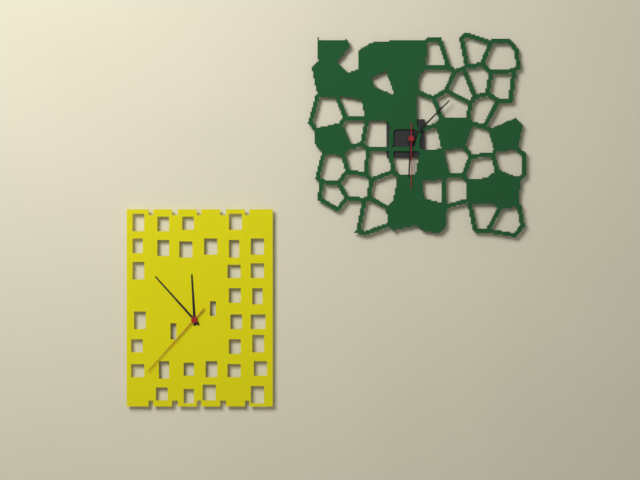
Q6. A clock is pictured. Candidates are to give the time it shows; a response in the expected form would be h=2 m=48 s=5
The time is h=11 m=53 s=37
